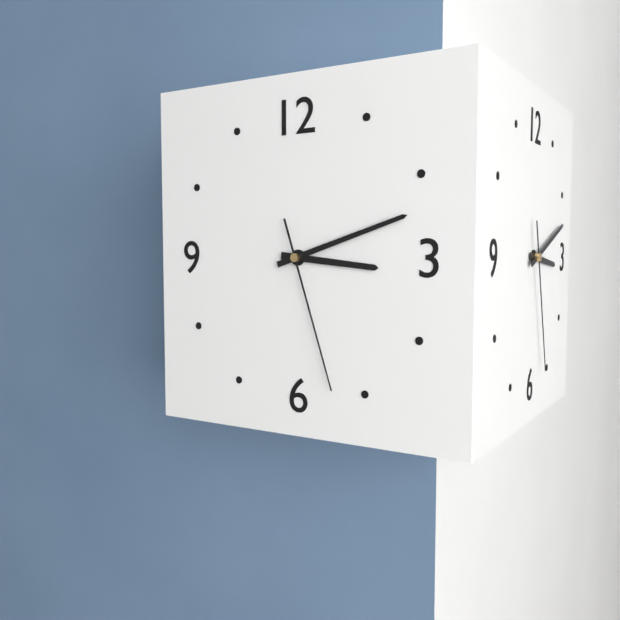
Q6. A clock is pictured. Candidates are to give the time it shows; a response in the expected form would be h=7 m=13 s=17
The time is h=3 m=12 s=27
